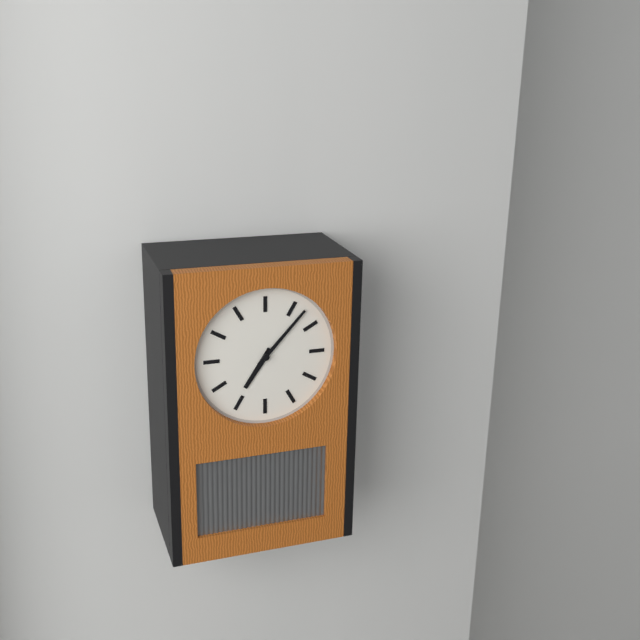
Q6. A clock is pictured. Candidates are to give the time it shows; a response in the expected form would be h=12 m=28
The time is h=7 m=7
